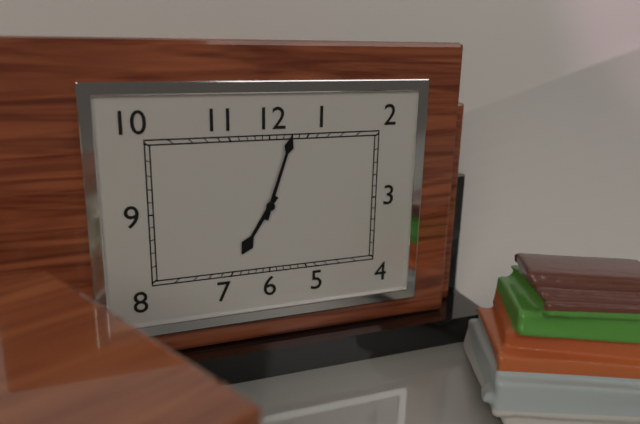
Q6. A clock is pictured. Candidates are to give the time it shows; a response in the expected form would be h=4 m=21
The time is h=7 m=3
